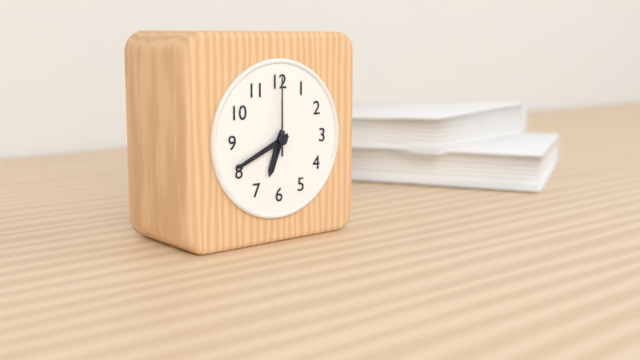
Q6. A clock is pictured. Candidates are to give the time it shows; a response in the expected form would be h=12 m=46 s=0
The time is h=6 m=41 s=0
